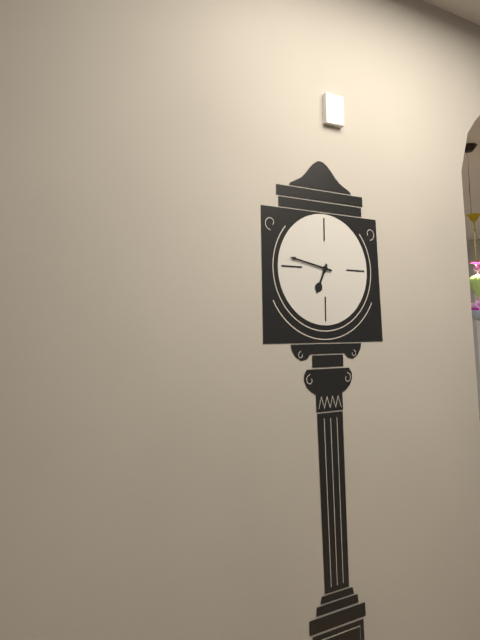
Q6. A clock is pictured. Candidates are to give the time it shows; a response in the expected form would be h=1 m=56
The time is h=6 m=47
